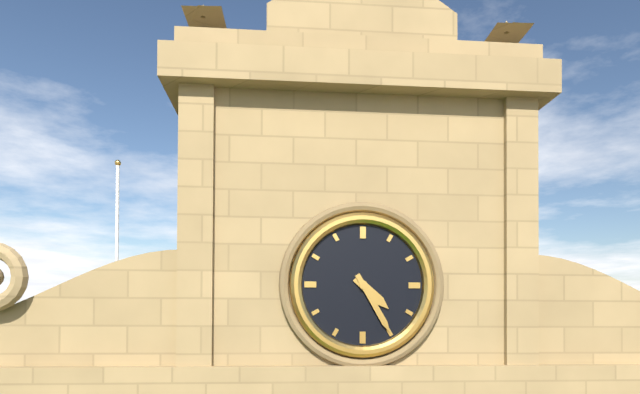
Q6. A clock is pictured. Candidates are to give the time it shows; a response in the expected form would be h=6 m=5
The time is h=4 m=25
